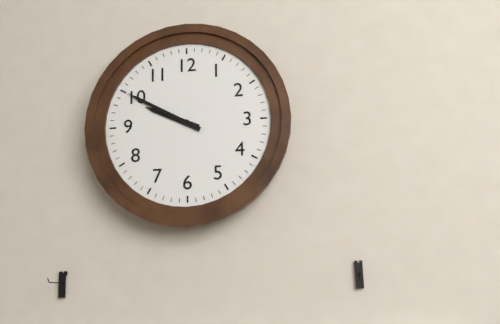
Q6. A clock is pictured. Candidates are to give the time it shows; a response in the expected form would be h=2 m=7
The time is h=9 m=50
